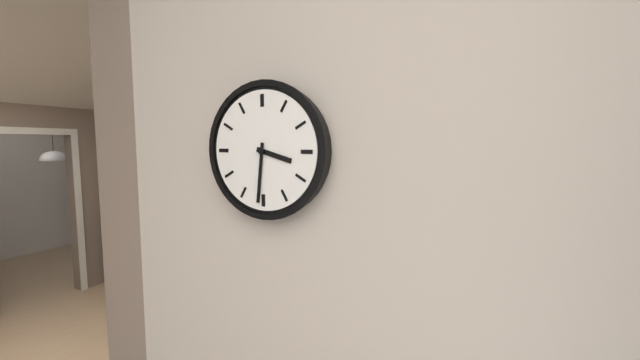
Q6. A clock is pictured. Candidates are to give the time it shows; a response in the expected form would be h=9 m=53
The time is h=3 m=31
